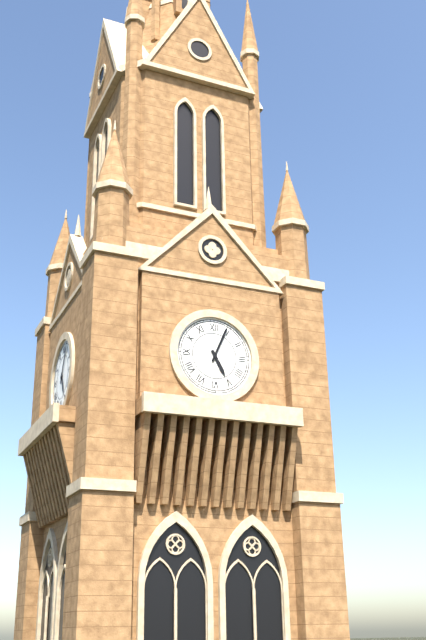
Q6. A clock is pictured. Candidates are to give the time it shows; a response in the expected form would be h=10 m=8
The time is h=5 m=4
